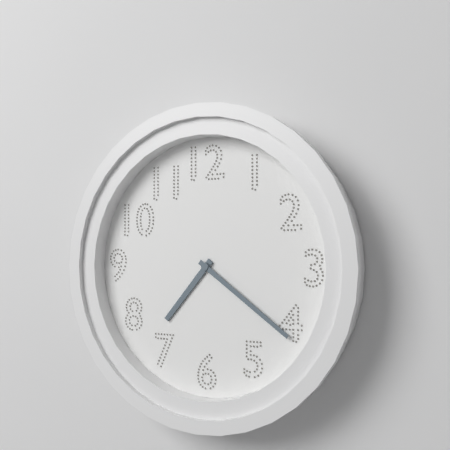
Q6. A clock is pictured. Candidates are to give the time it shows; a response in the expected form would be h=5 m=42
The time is h=7 m=21
